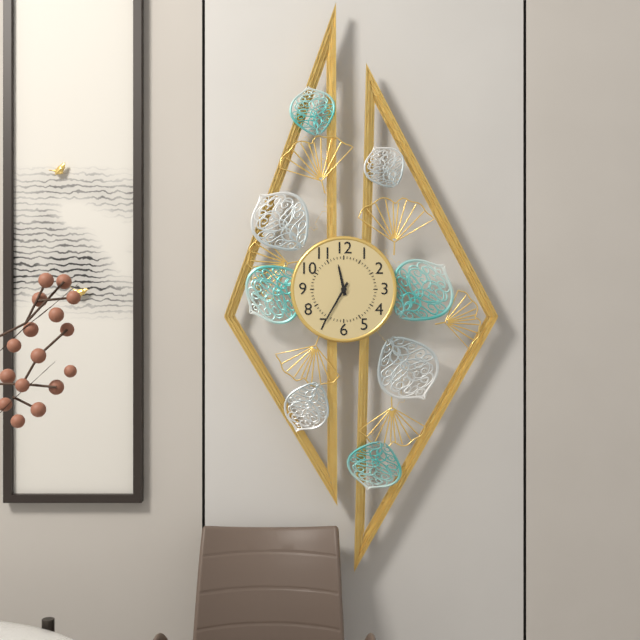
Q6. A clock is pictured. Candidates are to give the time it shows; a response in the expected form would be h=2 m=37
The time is h=11 m=35
